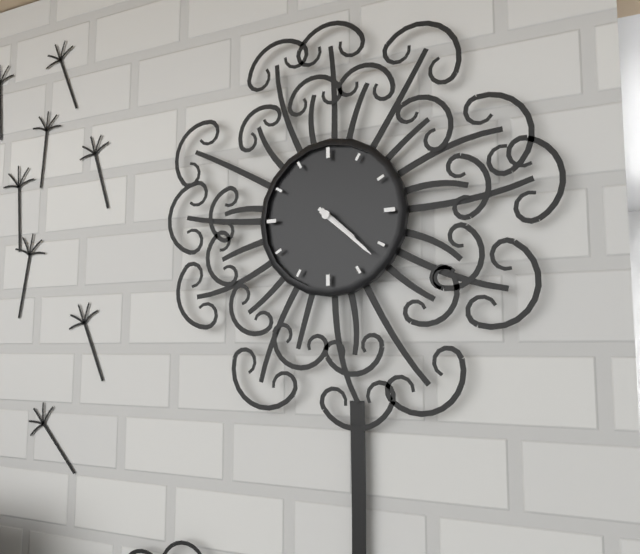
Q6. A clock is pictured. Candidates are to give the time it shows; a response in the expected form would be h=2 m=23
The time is h=4 m=22
